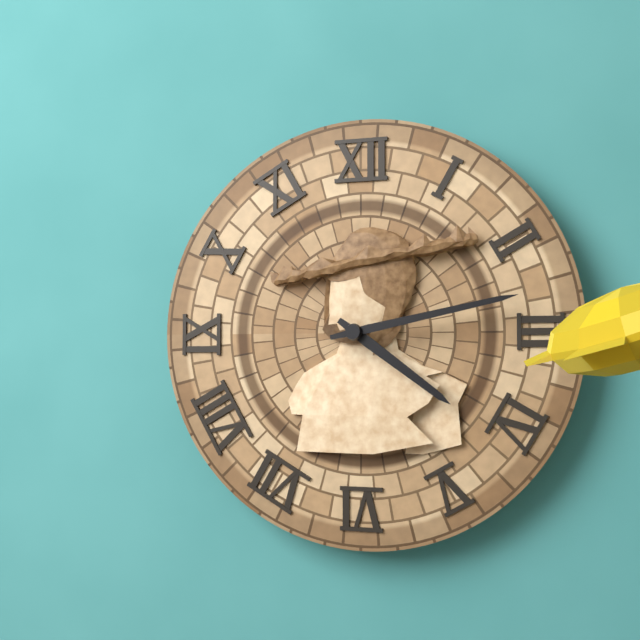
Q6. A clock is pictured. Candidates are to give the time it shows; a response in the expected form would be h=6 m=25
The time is h=4 m=13
